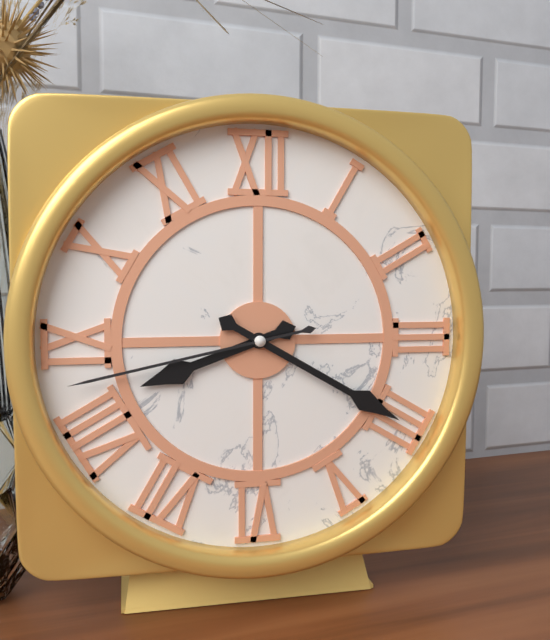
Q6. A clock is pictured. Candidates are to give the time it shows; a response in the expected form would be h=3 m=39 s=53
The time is h=8 m=20 s=43
